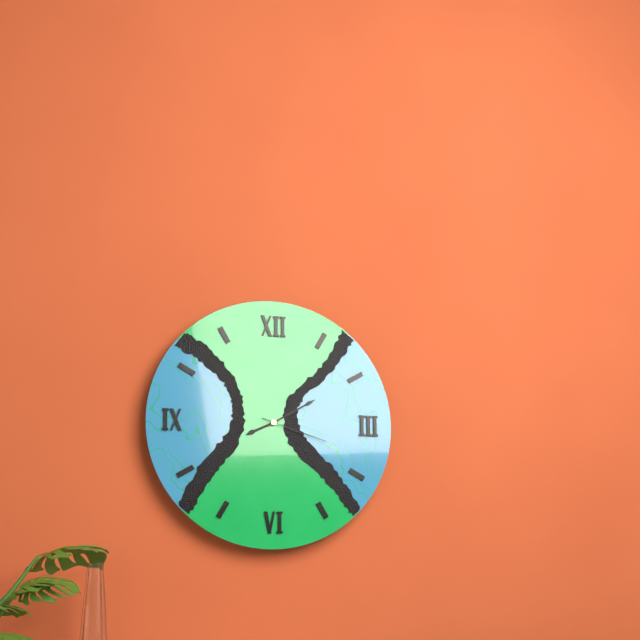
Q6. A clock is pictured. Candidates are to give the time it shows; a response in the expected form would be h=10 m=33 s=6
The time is h=8 m=10 s=18
